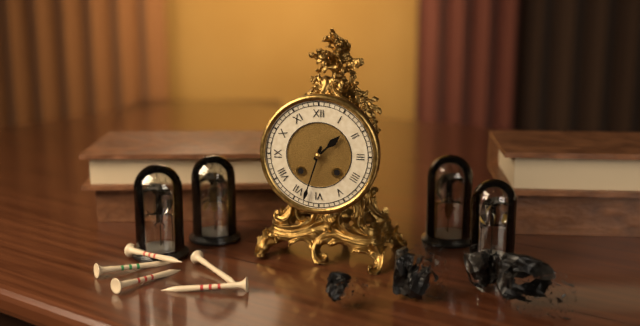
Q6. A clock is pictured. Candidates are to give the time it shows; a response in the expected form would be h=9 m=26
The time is h=1 m=33
